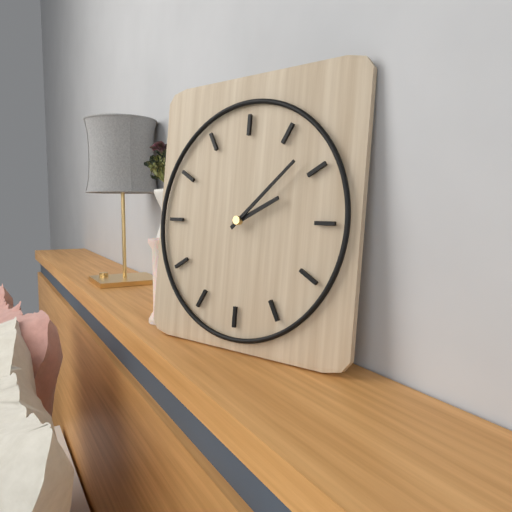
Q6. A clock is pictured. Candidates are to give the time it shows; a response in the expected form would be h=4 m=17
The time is h=2 m=8
